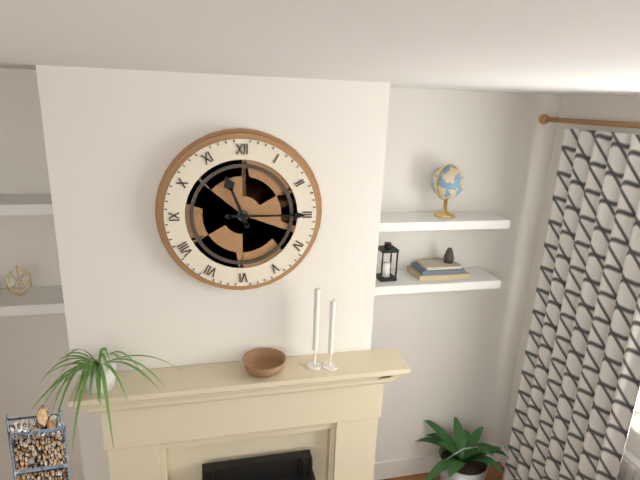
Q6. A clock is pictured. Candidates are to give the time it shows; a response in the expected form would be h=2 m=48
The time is h=11 m=15
